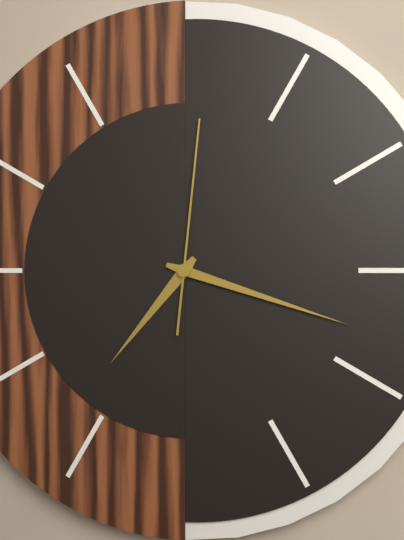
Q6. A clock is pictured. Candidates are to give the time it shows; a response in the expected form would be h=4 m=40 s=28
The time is h=7 m=18 s=1
